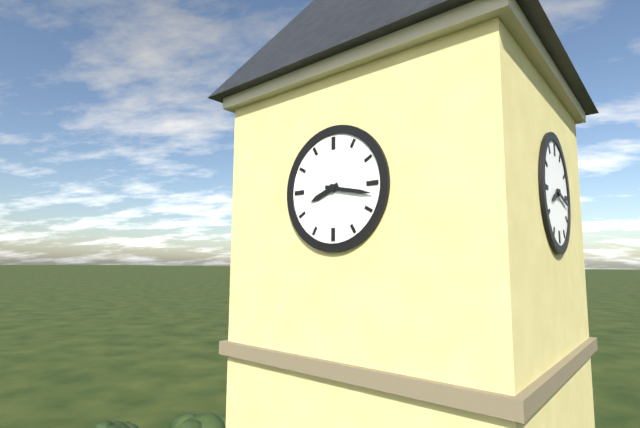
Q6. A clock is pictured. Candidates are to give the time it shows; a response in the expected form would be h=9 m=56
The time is h=8 m=17
